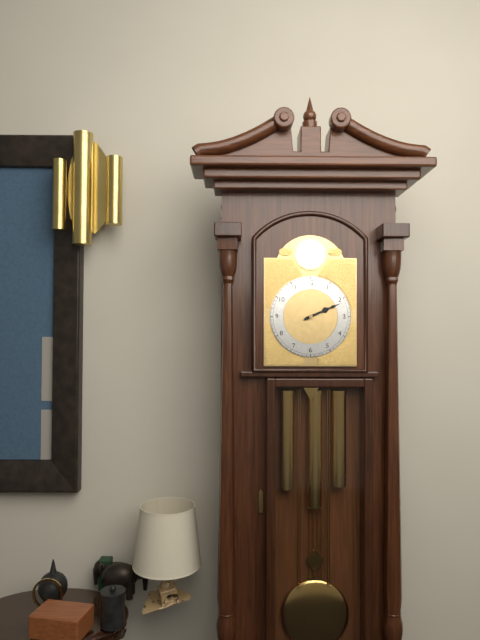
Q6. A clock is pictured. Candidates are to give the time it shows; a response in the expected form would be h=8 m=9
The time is h=2 m=11
